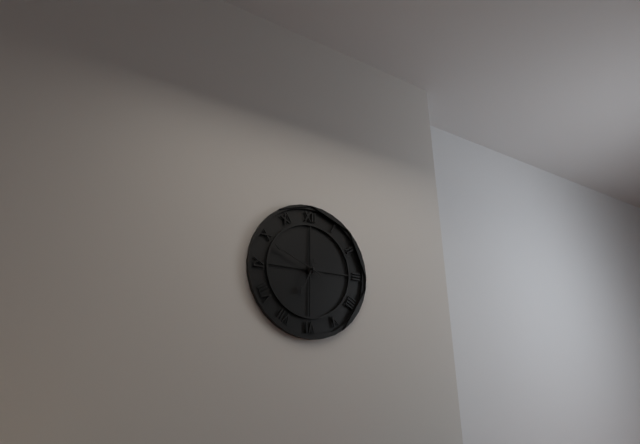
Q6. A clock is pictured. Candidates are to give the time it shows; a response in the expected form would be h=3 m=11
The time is h=6 m=49
